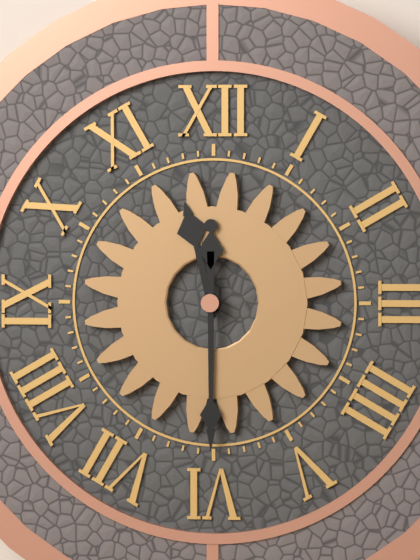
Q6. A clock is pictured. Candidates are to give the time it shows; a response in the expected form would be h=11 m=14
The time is h=11 m=30
